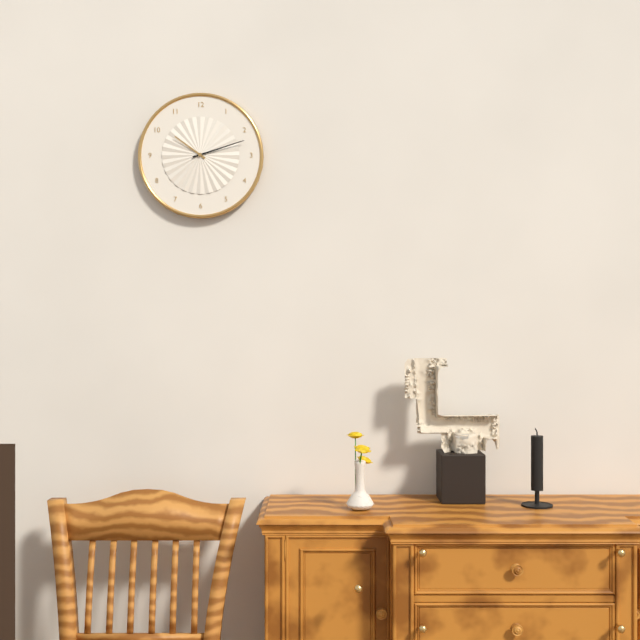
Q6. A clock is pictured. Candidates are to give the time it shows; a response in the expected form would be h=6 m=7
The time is h=10 m=12
